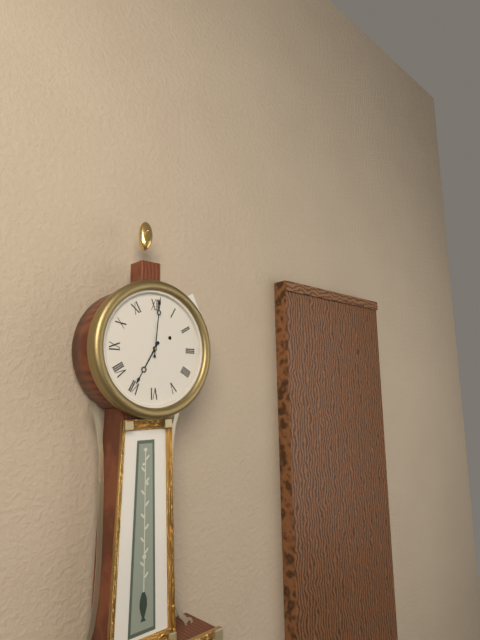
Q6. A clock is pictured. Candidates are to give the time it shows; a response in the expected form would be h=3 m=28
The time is h=7 m=1
